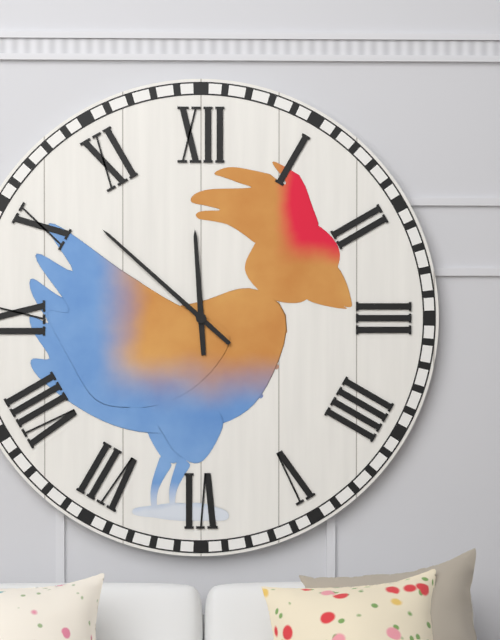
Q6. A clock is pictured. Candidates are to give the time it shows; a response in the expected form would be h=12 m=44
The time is h=11 m=52
